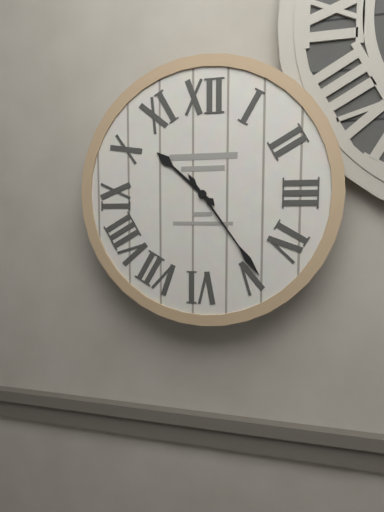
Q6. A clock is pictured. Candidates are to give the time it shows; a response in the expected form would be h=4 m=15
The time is h=10 m=24
